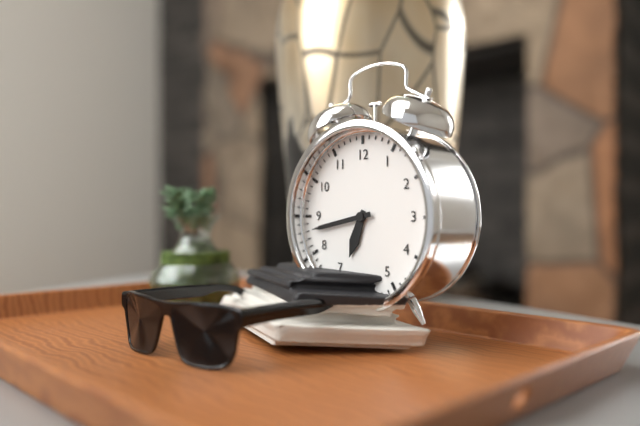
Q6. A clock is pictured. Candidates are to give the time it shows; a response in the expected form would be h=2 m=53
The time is h=6 m=43
